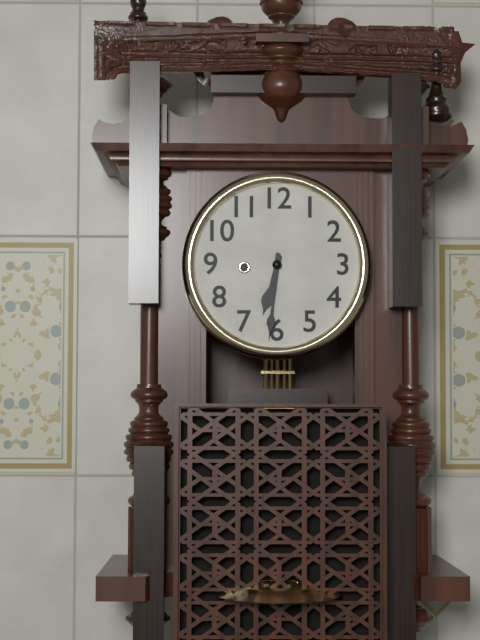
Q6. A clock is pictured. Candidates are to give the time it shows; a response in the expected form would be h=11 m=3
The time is h=6 m=31
